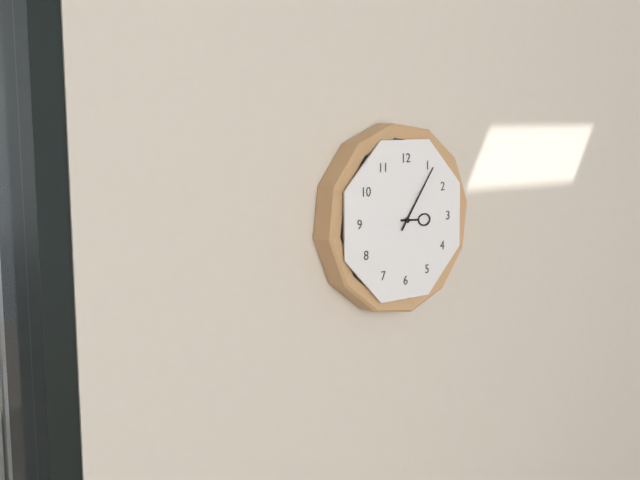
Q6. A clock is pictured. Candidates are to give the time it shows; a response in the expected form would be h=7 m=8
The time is h=3 m=6
